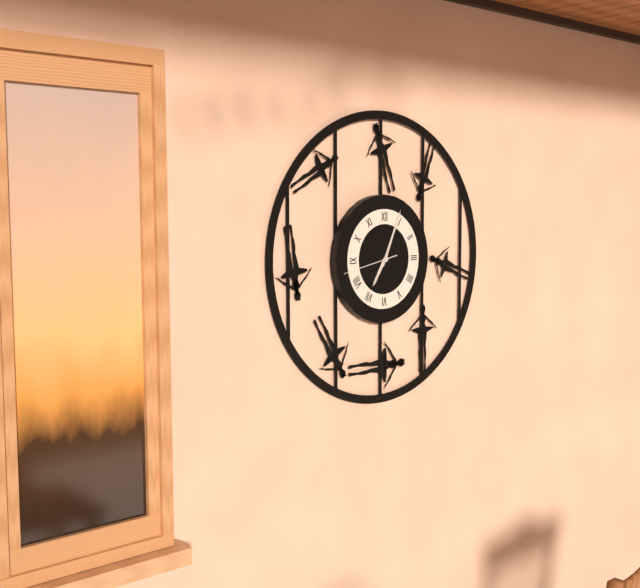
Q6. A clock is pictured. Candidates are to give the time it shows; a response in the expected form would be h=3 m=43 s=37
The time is h=7 m=4 s=43
